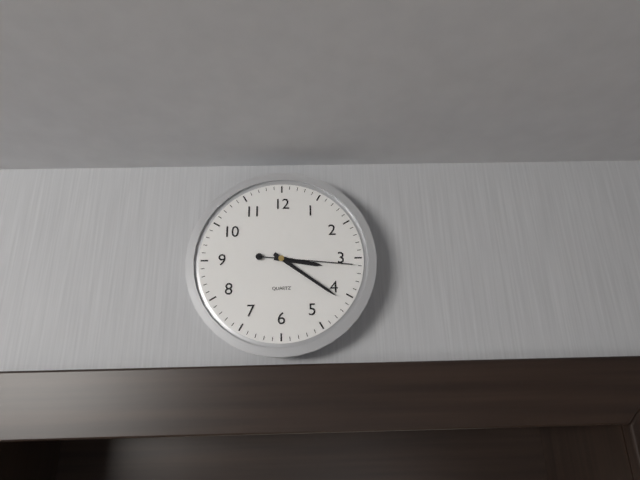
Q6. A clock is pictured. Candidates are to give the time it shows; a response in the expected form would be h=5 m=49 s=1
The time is h=3 m=21 s=16
